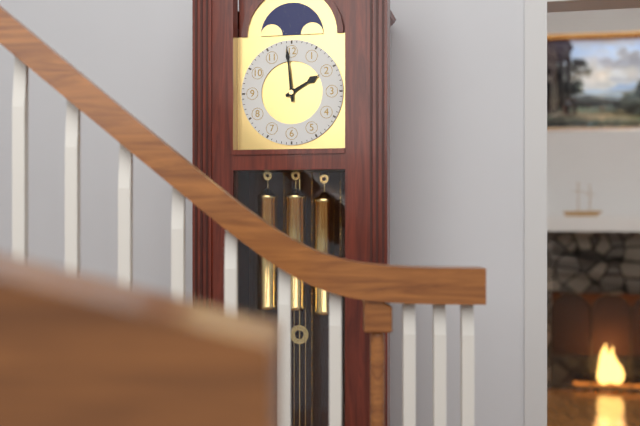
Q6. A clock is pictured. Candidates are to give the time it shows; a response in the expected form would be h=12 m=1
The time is h=1 m=59
